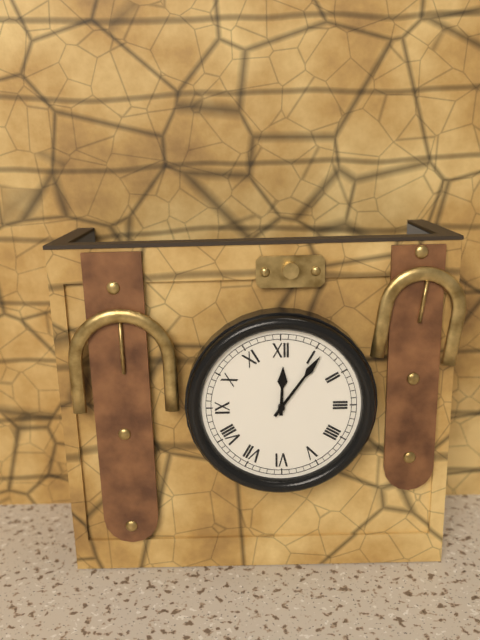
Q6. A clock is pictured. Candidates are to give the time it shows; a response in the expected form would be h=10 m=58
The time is h=12 m=6
